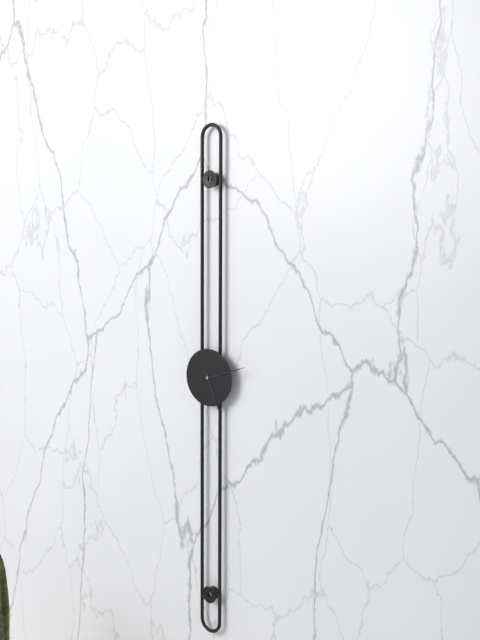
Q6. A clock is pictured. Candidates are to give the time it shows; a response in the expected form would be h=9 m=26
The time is h=5 m=12
